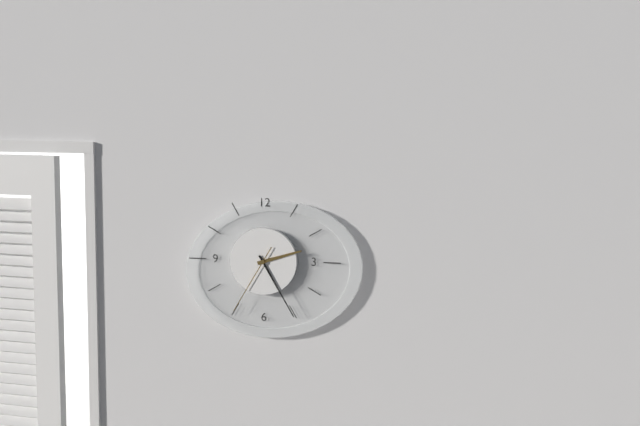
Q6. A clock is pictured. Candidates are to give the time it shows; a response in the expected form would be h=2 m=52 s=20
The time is h=2 m=25 s=35
